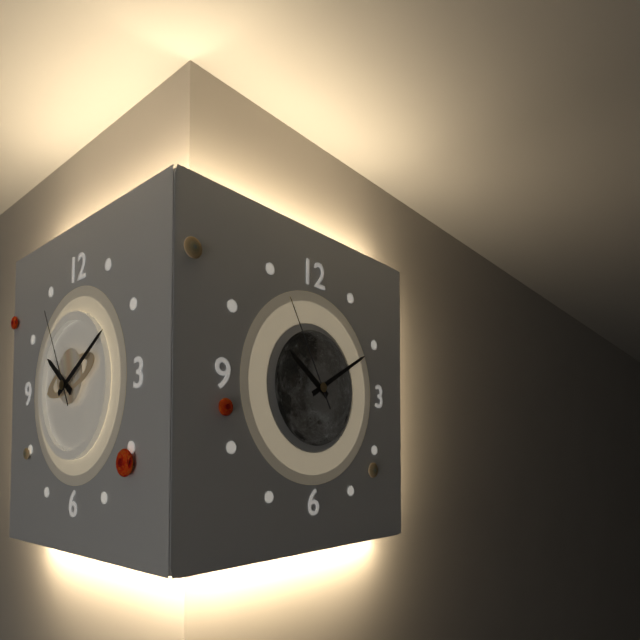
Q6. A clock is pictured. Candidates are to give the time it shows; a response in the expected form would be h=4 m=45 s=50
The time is h=10 m=10 s=55
